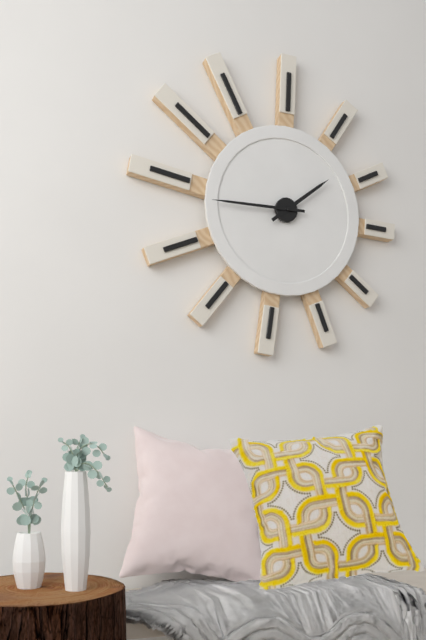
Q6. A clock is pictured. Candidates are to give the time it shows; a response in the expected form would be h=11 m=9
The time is h=1 m=45
